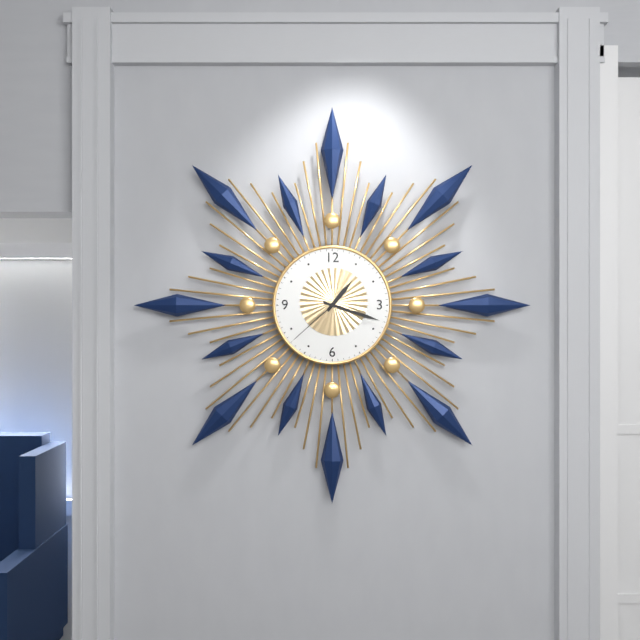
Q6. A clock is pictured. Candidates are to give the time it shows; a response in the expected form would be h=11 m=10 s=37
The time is h=1 m=18 s=38
